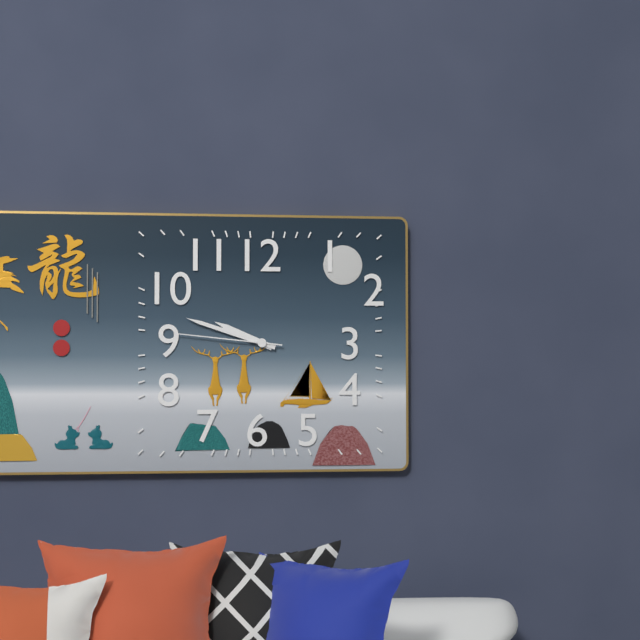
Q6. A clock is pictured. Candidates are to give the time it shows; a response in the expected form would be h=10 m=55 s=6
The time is h=9 m=48 s=46
